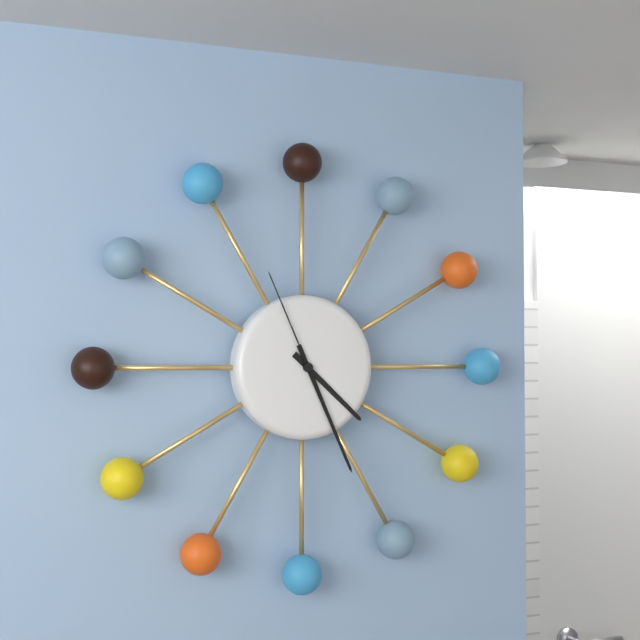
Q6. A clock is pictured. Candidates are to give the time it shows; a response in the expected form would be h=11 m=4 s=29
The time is h=4 m=26 s=56
